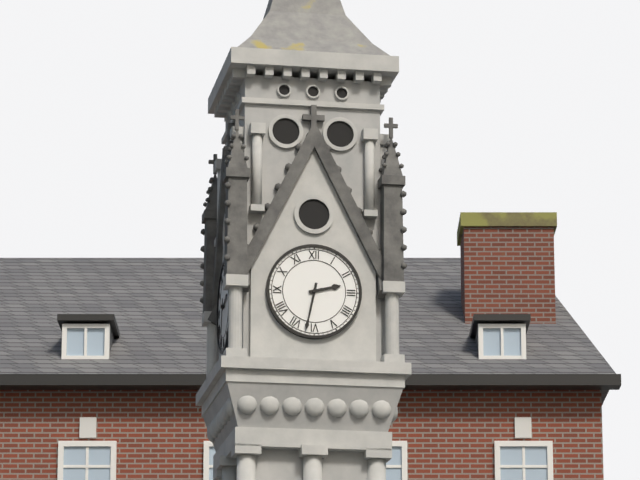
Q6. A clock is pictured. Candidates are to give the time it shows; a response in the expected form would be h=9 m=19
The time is h=2 m=32
